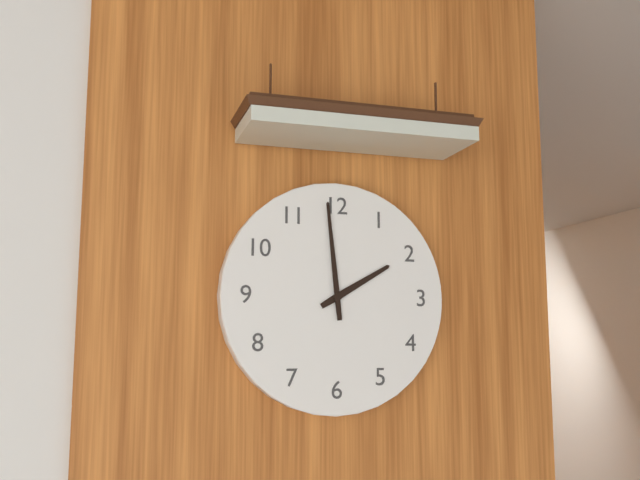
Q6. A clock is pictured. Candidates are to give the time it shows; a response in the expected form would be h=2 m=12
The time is h=1 m=59
